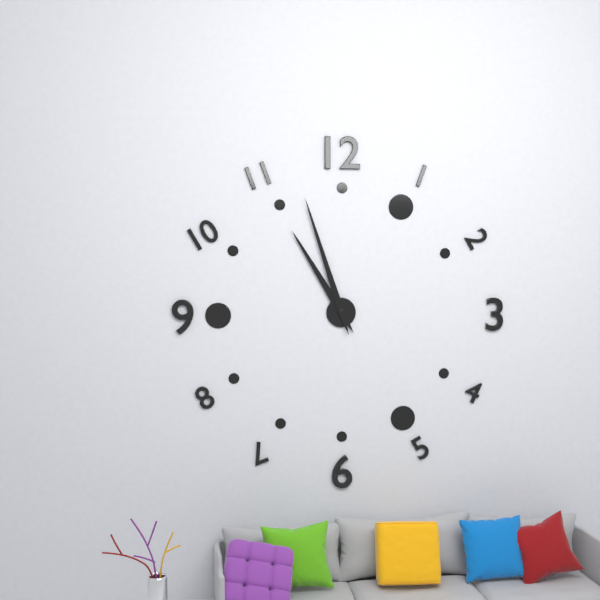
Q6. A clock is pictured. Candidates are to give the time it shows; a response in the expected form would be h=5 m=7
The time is h=10 m=57
